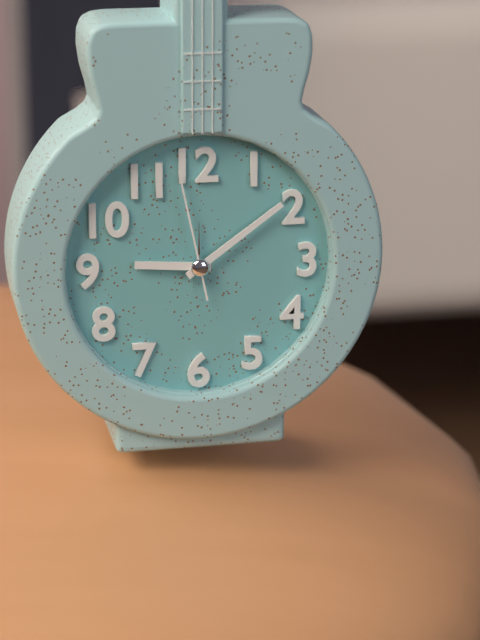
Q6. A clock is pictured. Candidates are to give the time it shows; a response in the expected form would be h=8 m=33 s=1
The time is h=9 m=9 s=58
